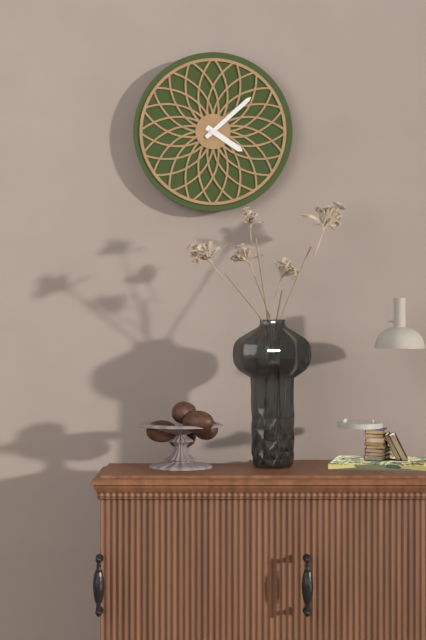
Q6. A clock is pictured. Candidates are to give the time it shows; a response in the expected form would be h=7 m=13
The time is h=4 m=8
